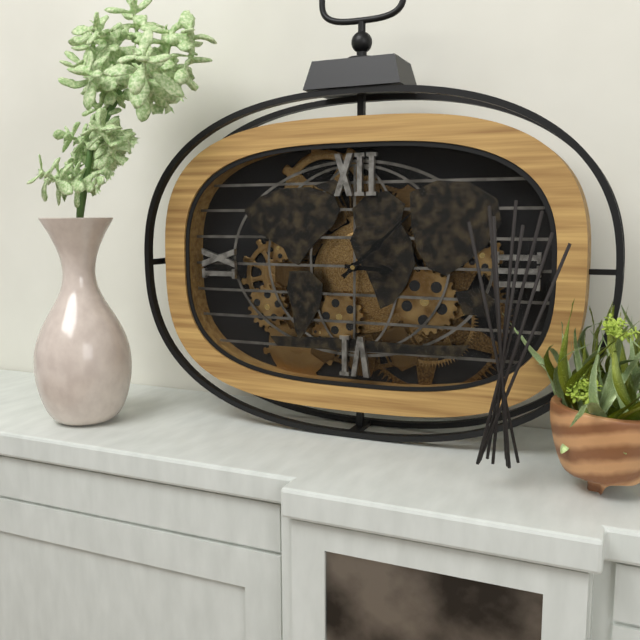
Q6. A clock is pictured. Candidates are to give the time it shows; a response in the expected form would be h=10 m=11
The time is h=3 m=8
